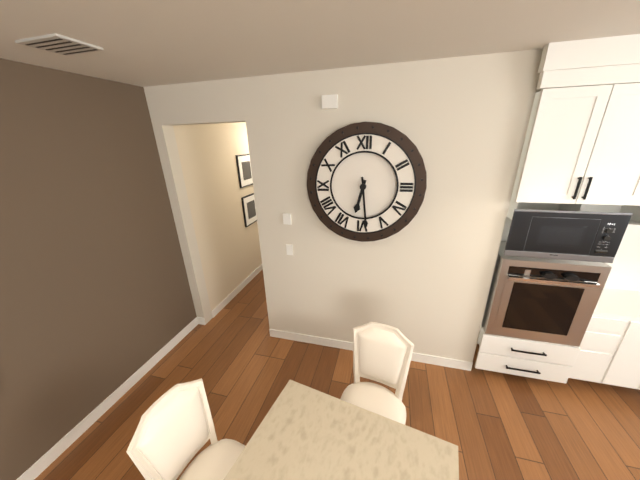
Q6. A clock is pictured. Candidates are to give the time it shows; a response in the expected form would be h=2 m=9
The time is h=6 m=29
